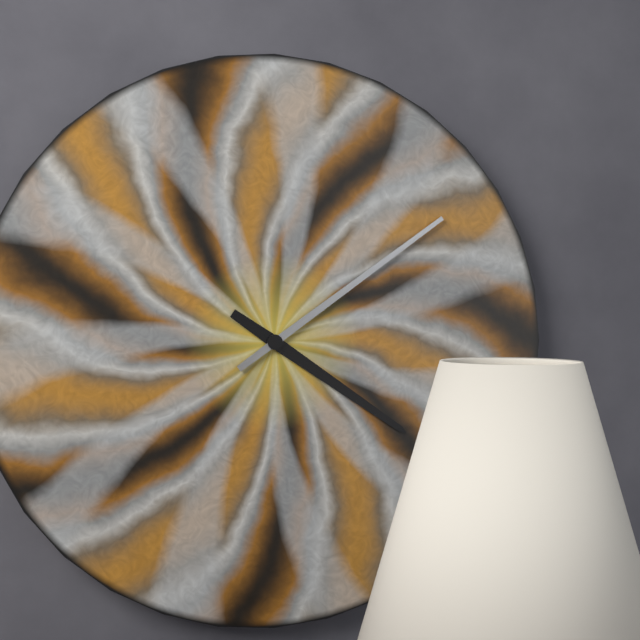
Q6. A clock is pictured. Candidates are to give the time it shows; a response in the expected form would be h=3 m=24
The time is h=4 m=9
